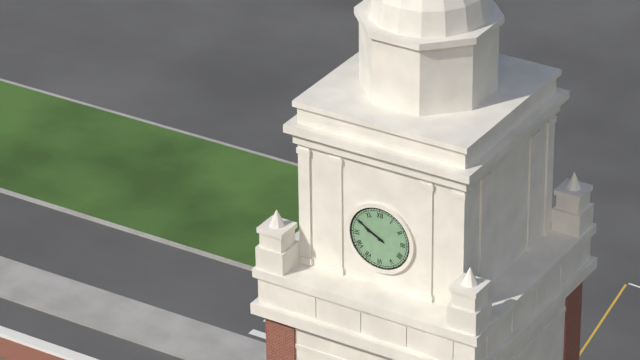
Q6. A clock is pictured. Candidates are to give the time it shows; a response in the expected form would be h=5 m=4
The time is h=9 m=50
